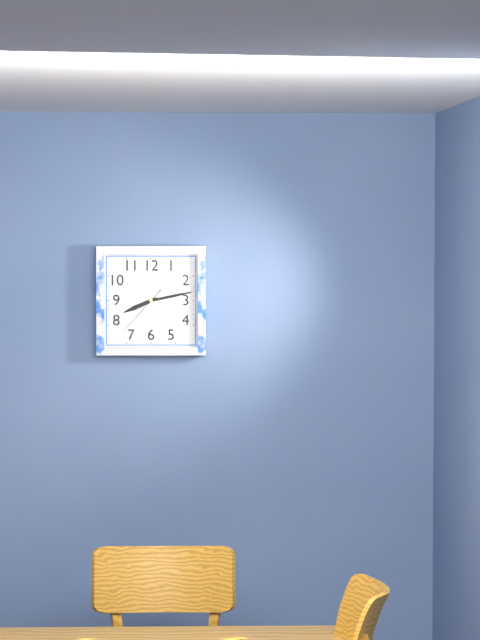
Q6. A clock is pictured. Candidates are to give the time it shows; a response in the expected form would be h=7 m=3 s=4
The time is h=8 m=13 s=37
